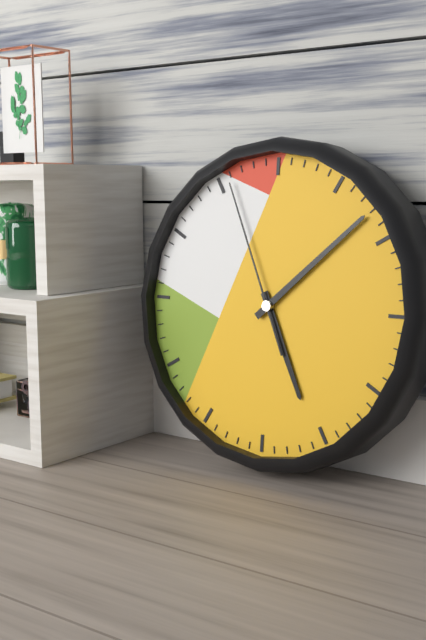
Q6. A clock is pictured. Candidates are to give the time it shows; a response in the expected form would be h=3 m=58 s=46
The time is h=5 m=8 s=56
